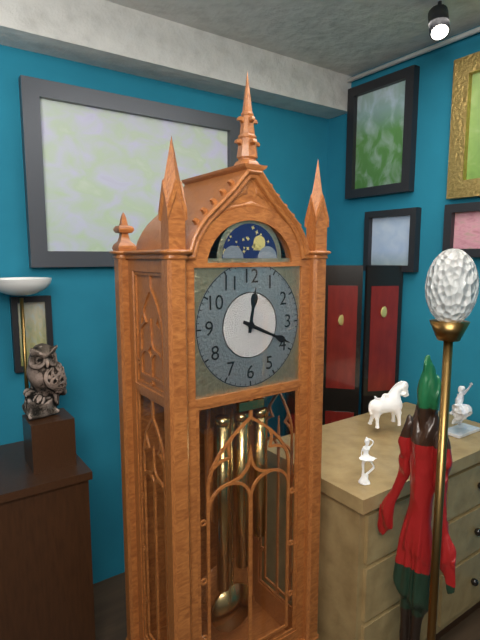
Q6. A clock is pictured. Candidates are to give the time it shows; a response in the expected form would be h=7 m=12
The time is h=12 m=19
